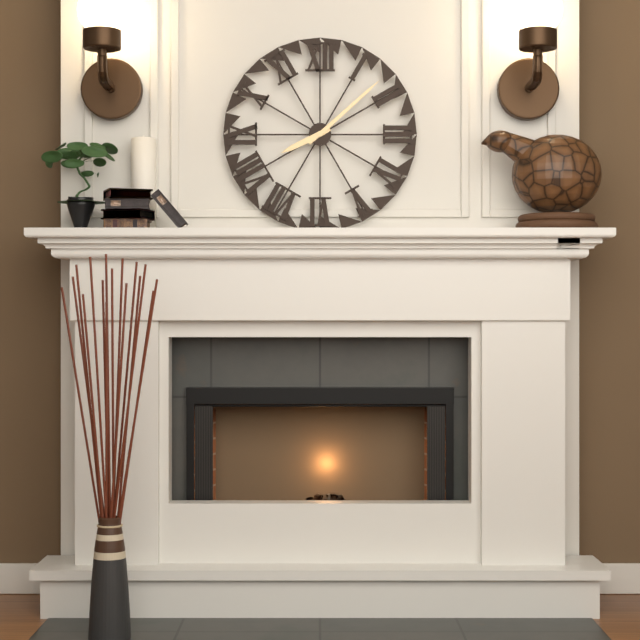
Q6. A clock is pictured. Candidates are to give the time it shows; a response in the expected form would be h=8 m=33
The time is h=8 m=8
